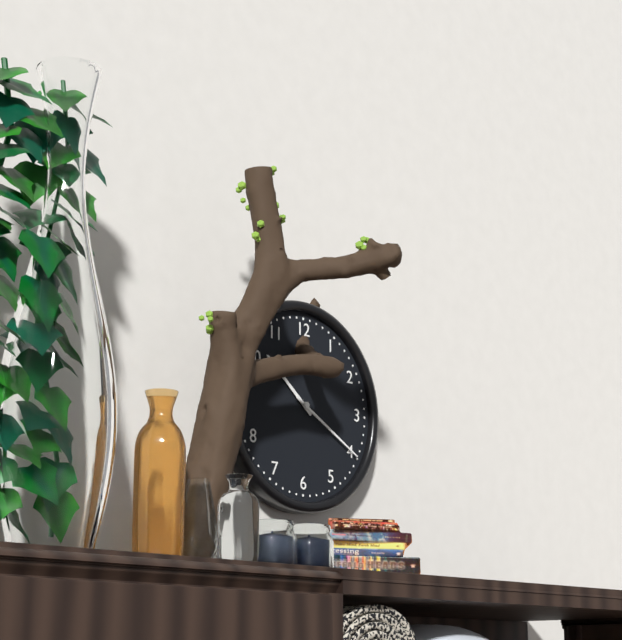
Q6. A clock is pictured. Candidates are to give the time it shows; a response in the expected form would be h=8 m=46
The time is h=10 m=20
